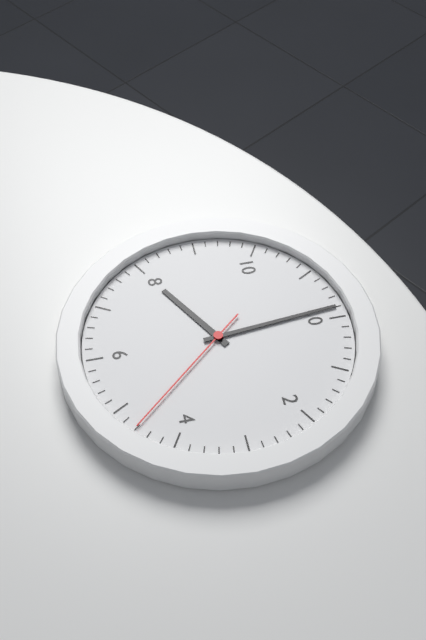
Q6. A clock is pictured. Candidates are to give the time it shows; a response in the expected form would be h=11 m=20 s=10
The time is h=7 m=59 s=23
